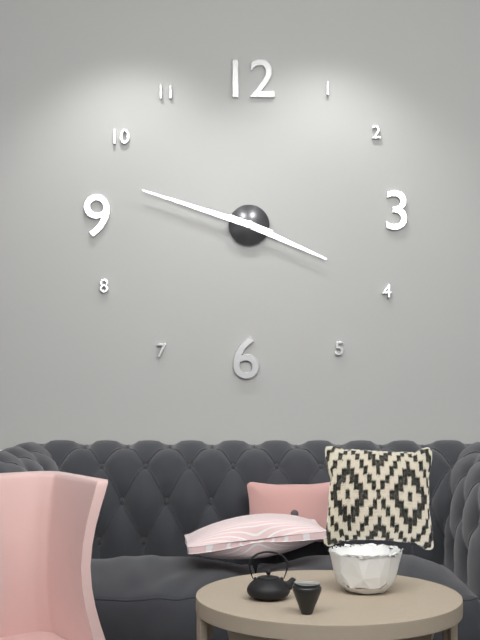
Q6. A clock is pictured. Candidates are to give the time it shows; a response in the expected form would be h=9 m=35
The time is h=3 m=48
